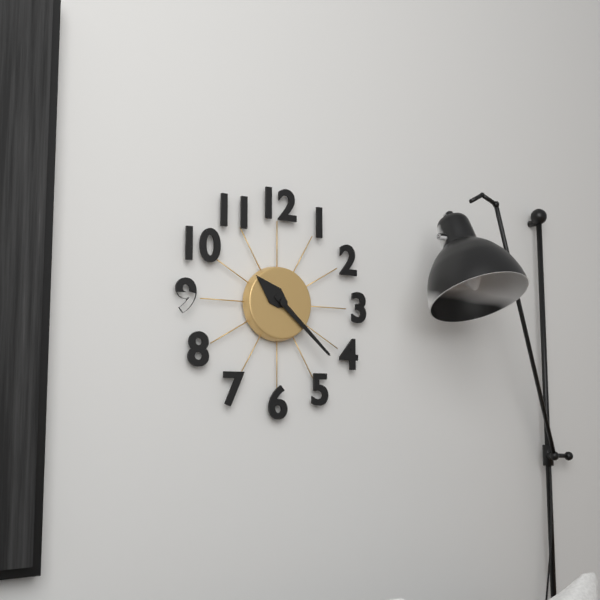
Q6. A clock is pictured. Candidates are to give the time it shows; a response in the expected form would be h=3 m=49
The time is h=10 m=22
